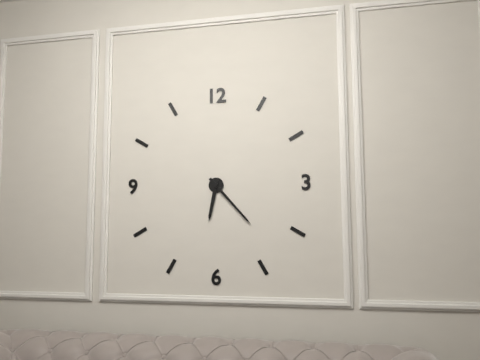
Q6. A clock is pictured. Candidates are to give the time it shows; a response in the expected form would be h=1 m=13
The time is h=6 m=23
